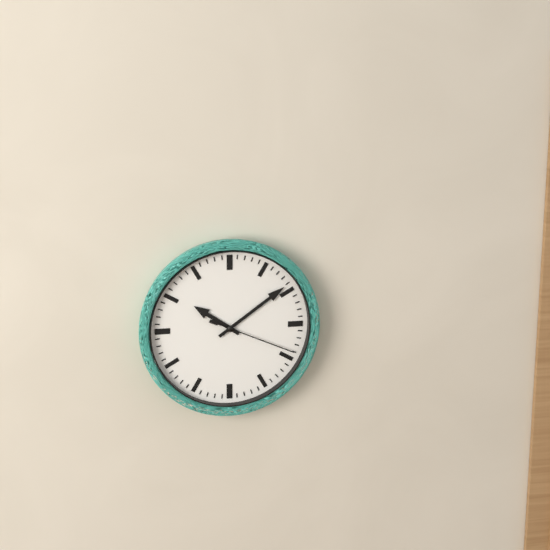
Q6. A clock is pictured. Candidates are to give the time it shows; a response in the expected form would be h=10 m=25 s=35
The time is h=10 m=9 s=19
